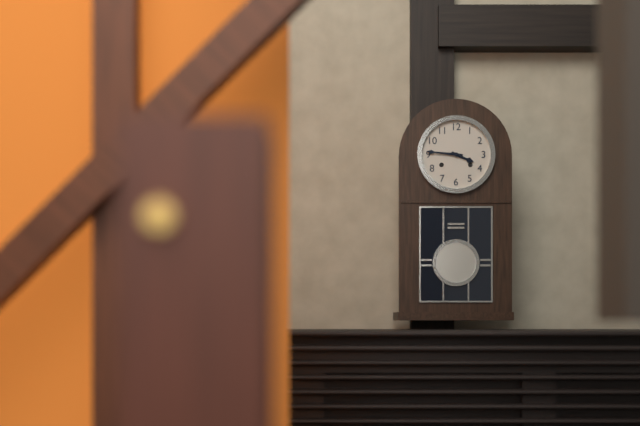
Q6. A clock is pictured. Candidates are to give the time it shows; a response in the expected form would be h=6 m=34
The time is h=3 m=46
